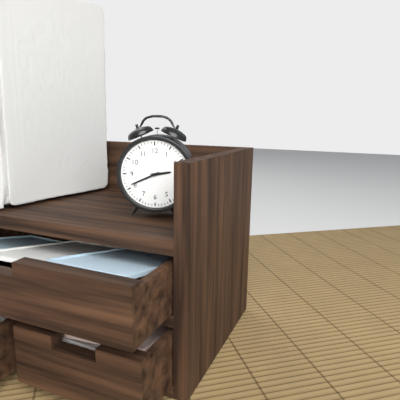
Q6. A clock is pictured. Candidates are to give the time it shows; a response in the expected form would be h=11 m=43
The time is h=2 m=41
